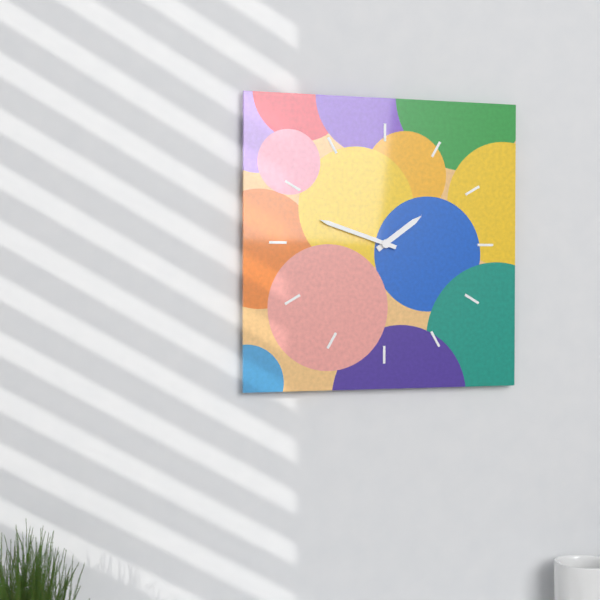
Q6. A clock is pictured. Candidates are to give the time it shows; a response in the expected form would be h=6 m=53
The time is h=1 m=48
